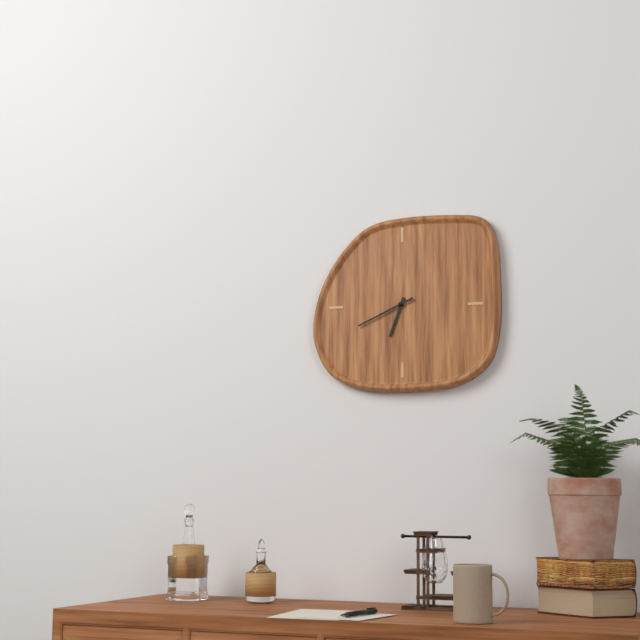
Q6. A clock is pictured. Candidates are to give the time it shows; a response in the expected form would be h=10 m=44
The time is h=6 m=41
